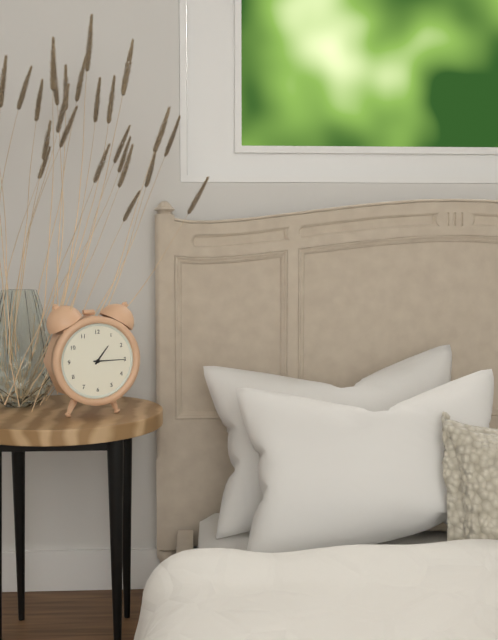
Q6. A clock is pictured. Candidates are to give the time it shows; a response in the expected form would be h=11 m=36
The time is h=1 m=15
